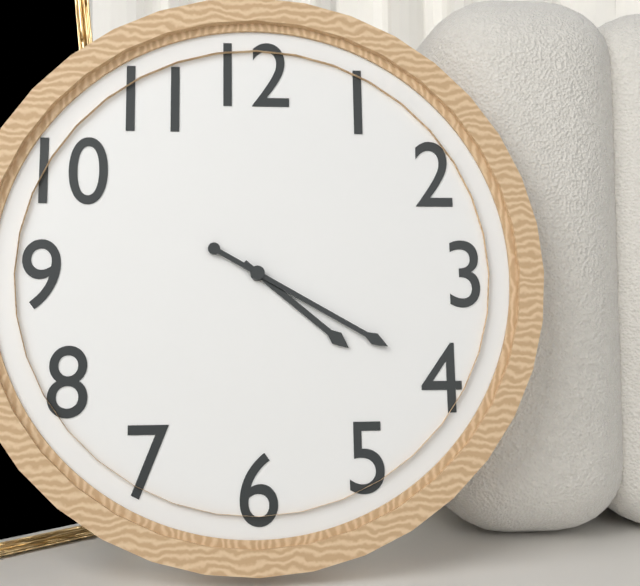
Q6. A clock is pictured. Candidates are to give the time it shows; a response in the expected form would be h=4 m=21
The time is h=4 m=20
